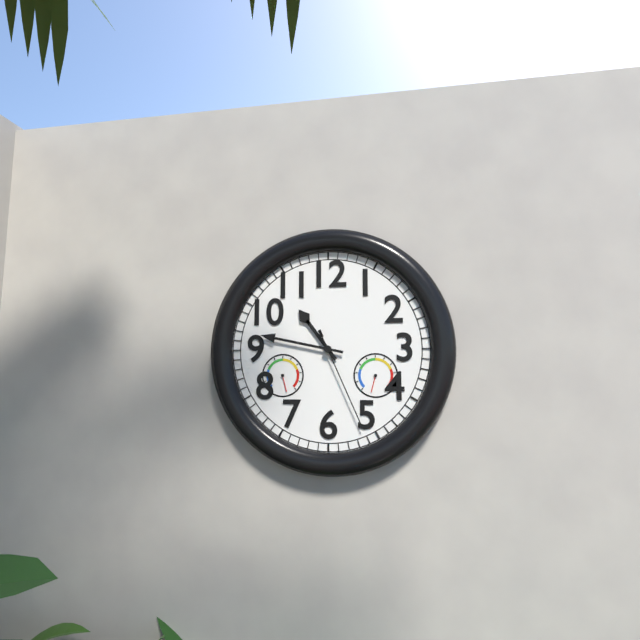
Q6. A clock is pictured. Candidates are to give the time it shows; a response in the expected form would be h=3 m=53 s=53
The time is h=10 m=47 s=26
